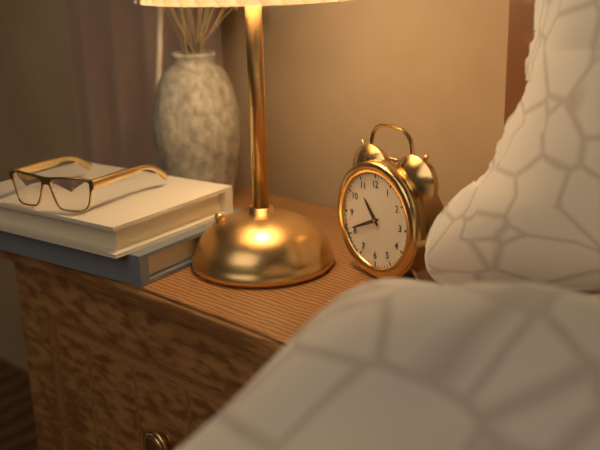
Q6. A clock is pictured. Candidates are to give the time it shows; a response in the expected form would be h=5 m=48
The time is h=10 m=41
